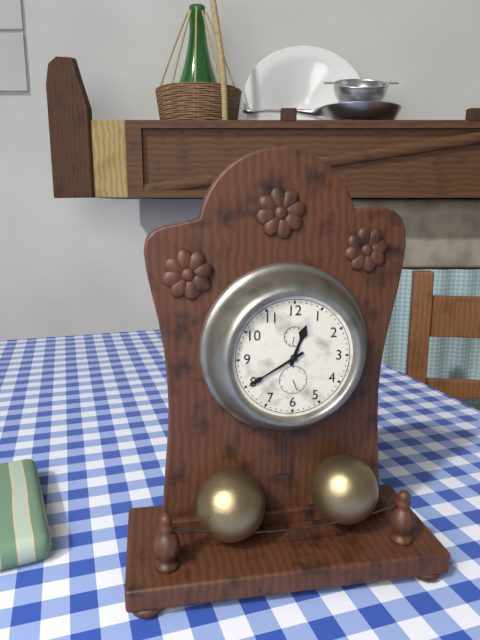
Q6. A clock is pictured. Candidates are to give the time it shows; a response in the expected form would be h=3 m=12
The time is h=12 m=40
